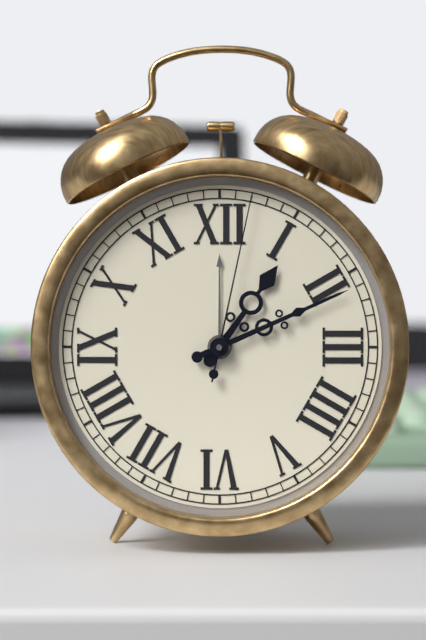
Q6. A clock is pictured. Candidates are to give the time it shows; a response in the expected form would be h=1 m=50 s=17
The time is h=1 m=11 s=2
